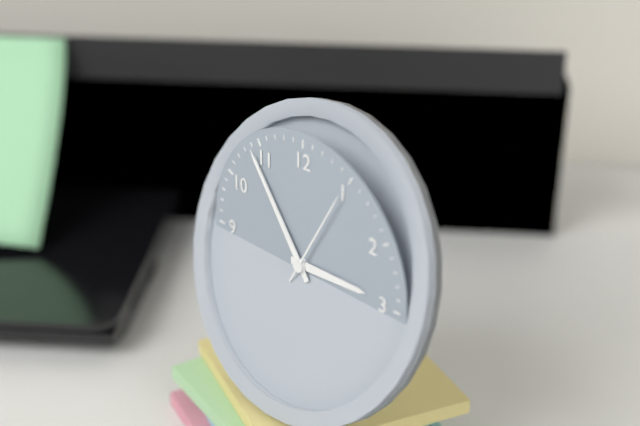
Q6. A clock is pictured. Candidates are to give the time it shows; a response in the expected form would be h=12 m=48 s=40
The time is h=2 m=54 s=5
